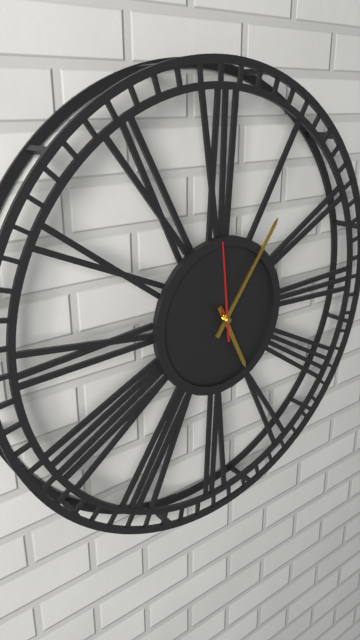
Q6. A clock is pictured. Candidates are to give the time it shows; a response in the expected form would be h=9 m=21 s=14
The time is h=5 m=6 s=59
